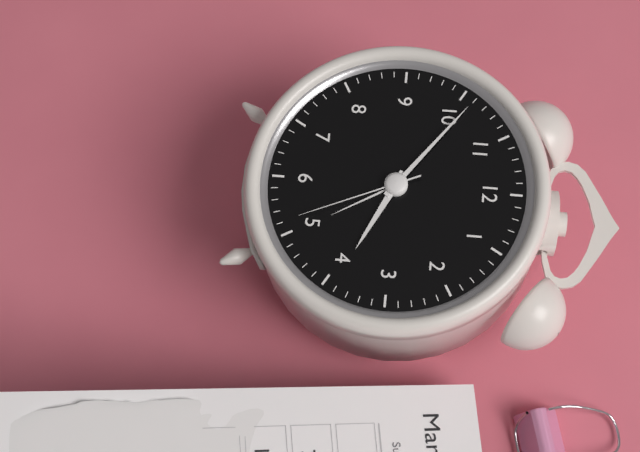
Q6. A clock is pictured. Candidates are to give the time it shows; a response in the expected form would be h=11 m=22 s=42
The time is h=3 m=51 s=26
